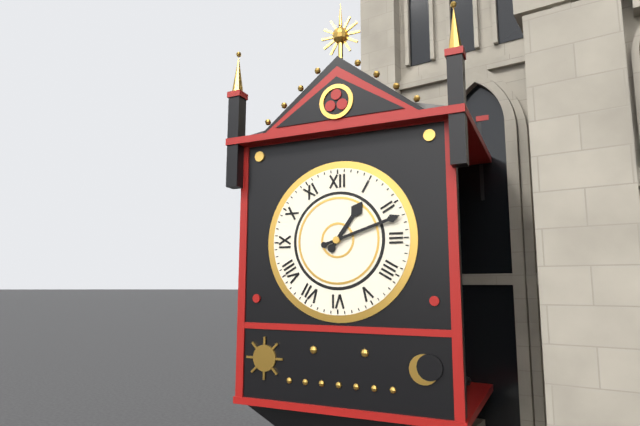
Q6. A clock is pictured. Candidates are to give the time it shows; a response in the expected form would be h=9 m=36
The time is h=1 m=12
